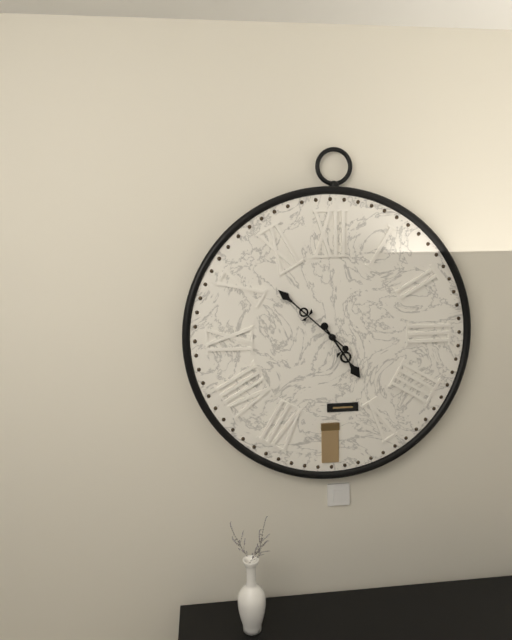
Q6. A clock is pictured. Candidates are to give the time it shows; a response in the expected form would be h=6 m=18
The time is h=4 m=52
